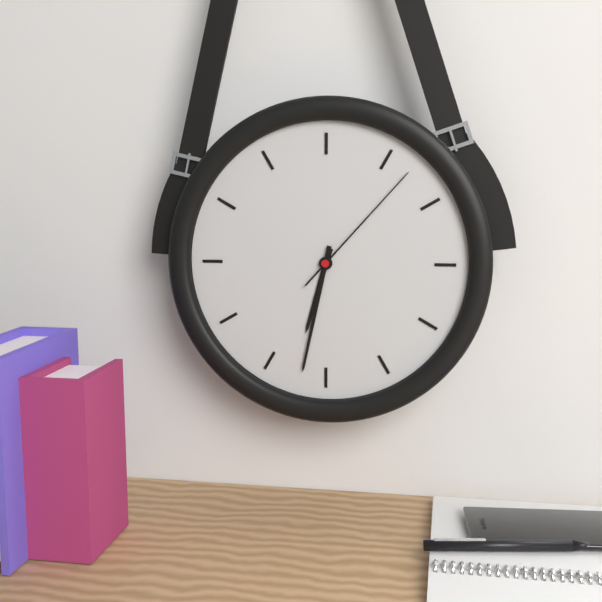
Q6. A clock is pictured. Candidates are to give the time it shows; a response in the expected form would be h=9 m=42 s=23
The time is h=6 m=32 s=7
